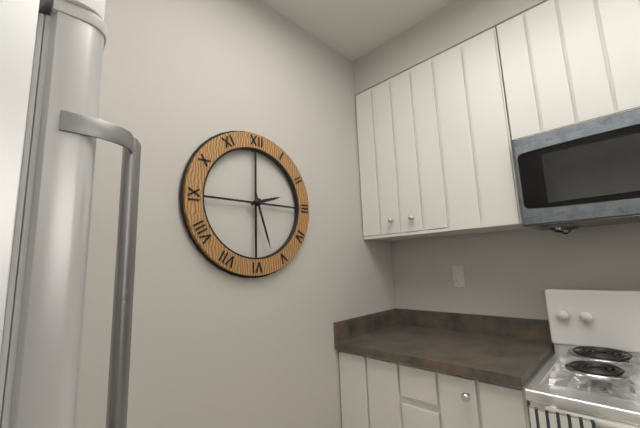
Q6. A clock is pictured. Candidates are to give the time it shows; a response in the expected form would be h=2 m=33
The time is h=2 m=27
